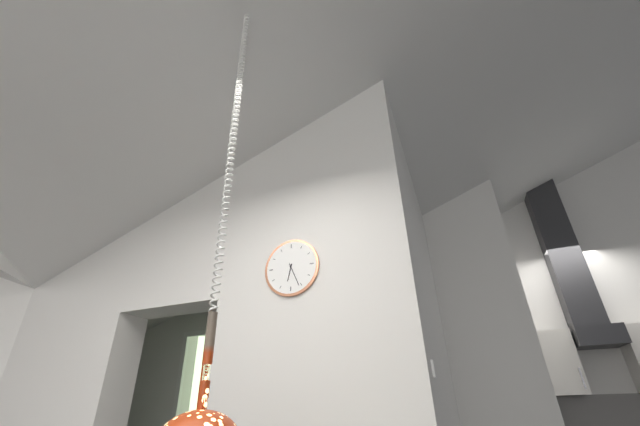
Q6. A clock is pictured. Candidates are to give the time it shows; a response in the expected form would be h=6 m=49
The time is h=6 m=26
